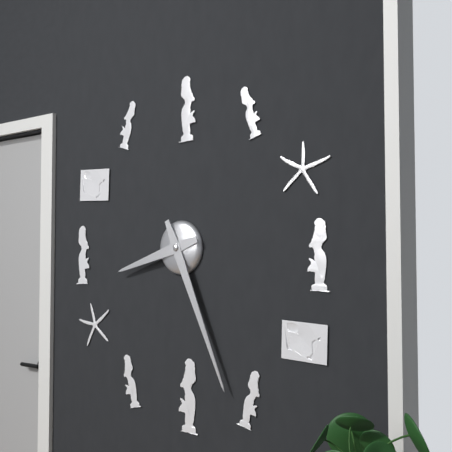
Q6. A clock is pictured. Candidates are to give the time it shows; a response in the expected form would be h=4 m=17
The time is h=8 m=26
